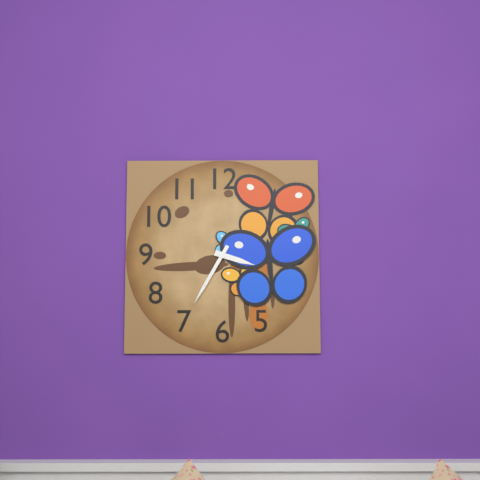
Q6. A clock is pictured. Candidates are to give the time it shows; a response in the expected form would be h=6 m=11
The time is h=3 m=35
